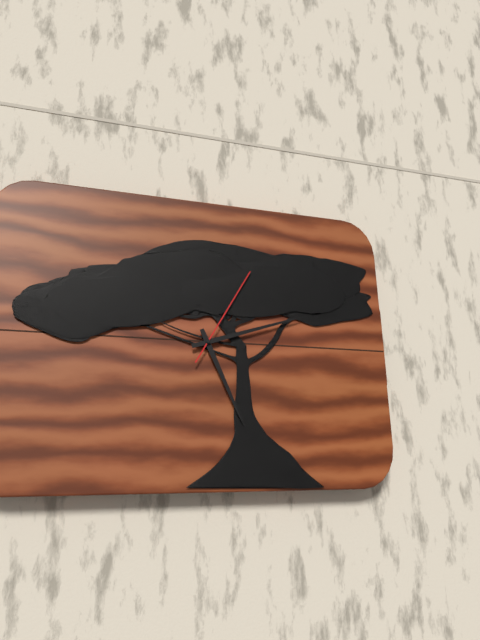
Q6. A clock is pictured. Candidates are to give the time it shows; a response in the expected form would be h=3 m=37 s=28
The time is h=5 m=12 s=5
